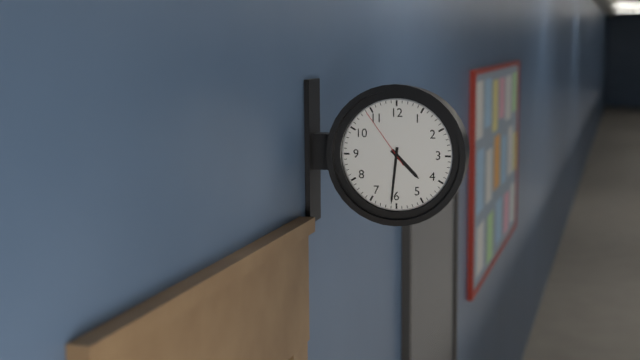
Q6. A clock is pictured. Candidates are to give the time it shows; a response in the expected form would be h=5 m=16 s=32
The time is h=4 m=31 s=54
